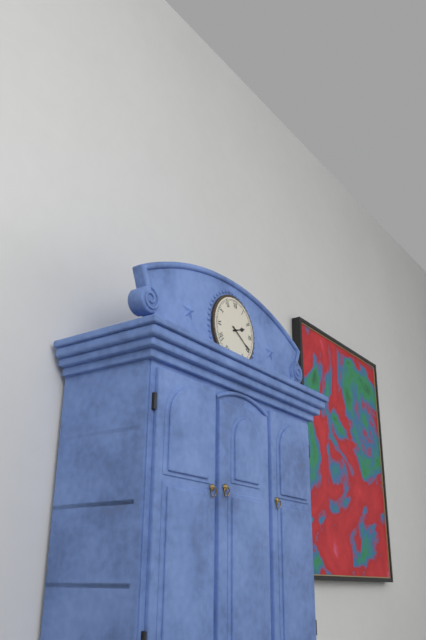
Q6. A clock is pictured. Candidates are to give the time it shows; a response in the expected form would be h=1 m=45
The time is h=2 m=20
